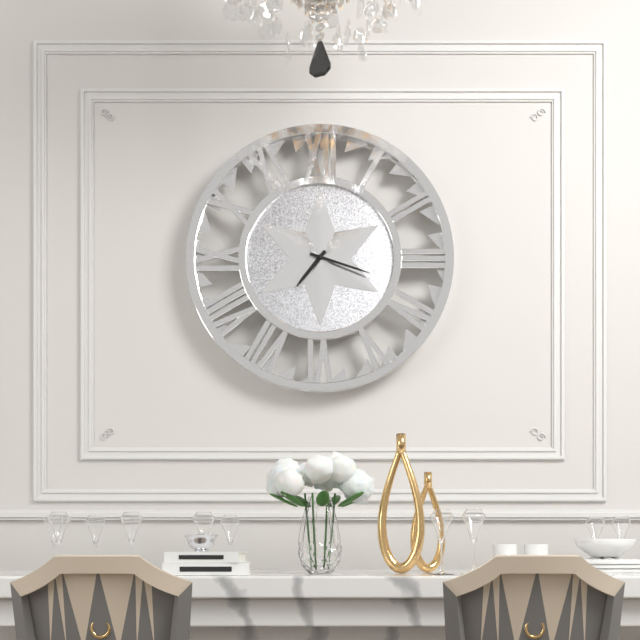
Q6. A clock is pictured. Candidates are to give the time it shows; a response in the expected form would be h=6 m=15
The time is h=7 m=18
